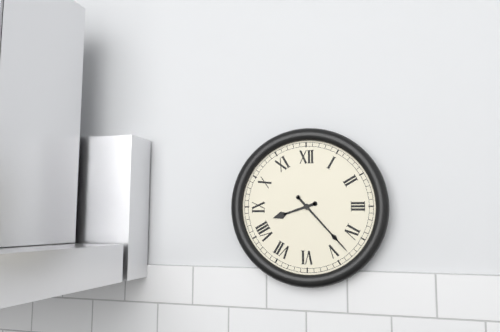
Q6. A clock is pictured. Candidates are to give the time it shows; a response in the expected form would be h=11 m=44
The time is h=8 m=23
